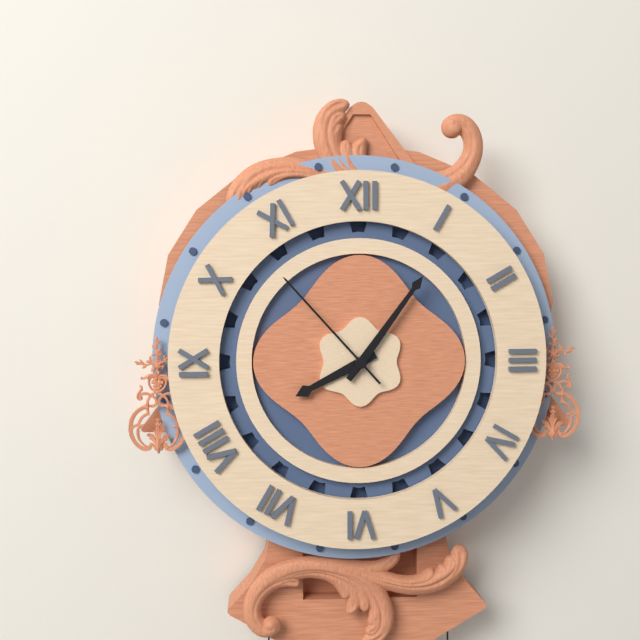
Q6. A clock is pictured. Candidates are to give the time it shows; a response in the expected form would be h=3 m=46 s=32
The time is h=8 m=6 s=53
